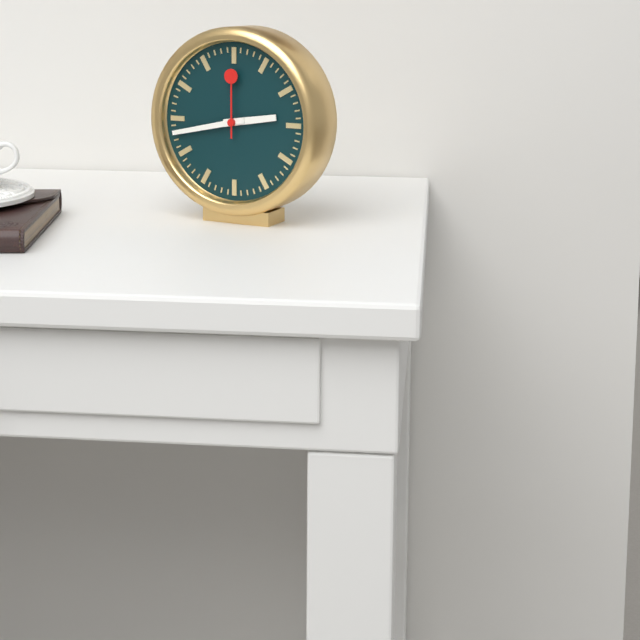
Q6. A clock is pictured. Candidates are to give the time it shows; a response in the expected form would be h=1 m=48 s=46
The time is h=2 m=43 s=0
